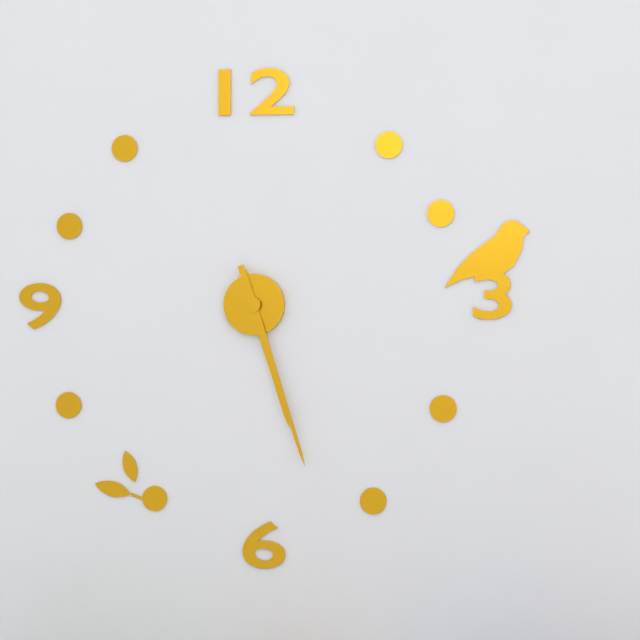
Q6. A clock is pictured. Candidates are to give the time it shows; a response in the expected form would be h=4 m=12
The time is h=5 m=27
